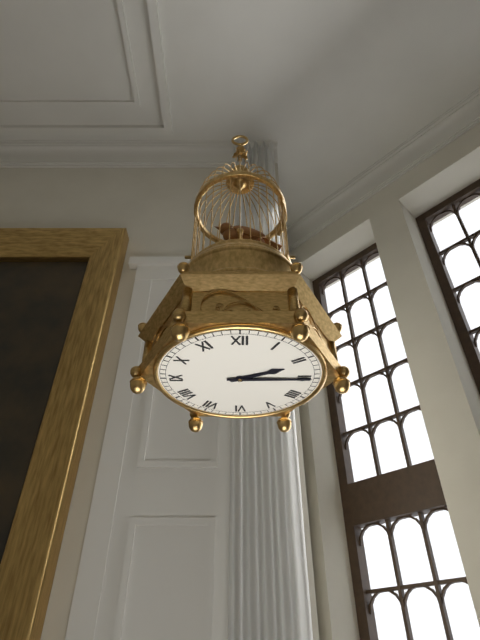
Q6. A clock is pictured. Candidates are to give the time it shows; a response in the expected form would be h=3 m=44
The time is h=2 m=15
